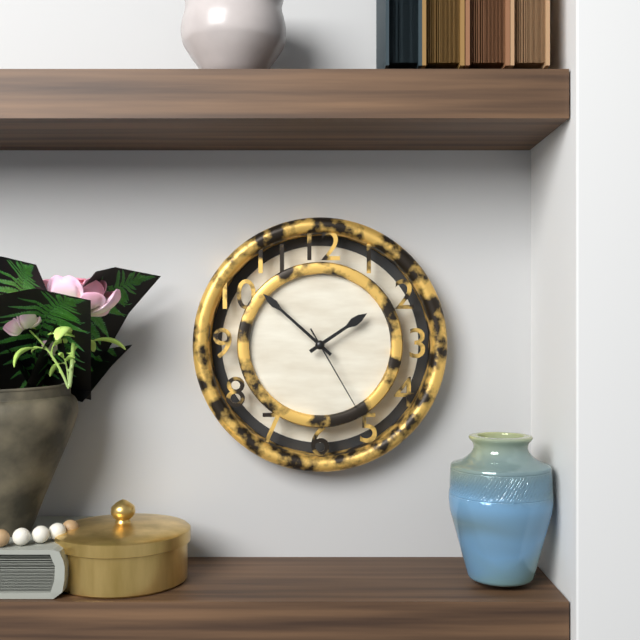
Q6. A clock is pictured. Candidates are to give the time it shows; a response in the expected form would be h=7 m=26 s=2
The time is h=1 m=52 s=25
